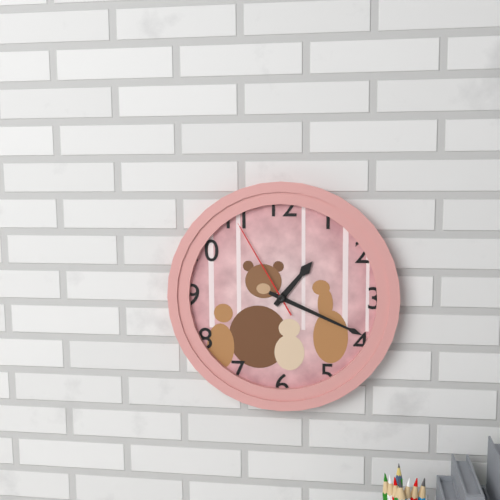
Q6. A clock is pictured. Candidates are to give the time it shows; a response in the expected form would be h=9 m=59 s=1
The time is h=1 m=19 s=55
